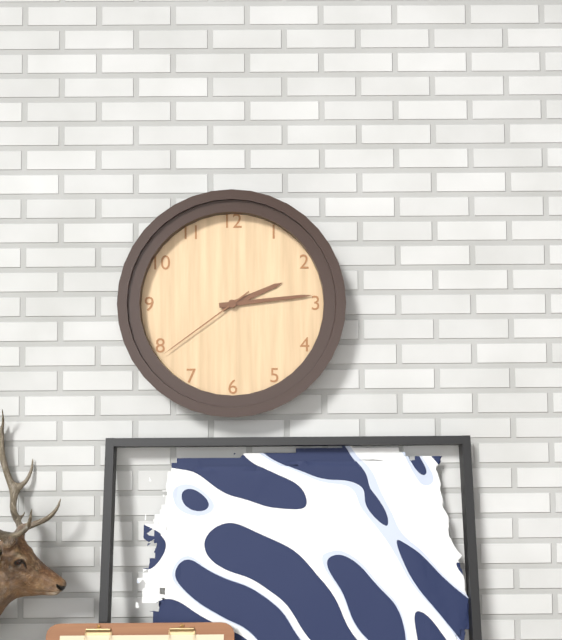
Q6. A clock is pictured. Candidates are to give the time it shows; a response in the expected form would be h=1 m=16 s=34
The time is h=2 m=14 s=39
